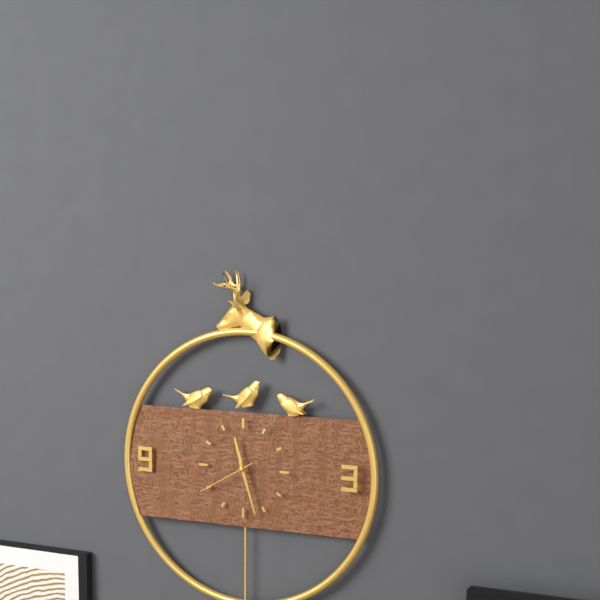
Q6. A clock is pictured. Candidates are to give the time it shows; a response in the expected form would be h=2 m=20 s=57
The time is h=11 m=27 s=40
